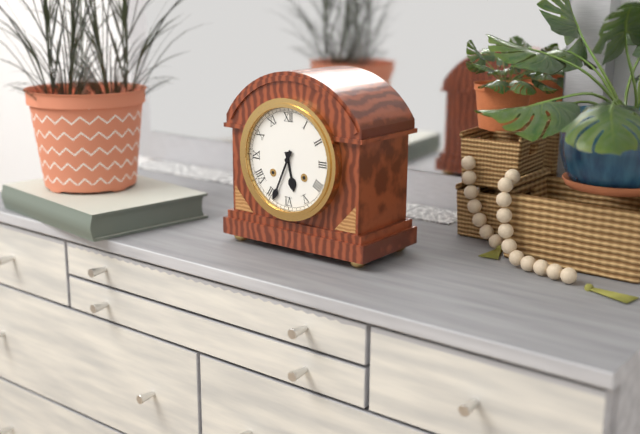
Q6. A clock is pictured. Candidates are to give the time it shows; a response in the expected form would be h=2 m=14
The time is h=5 m=34
